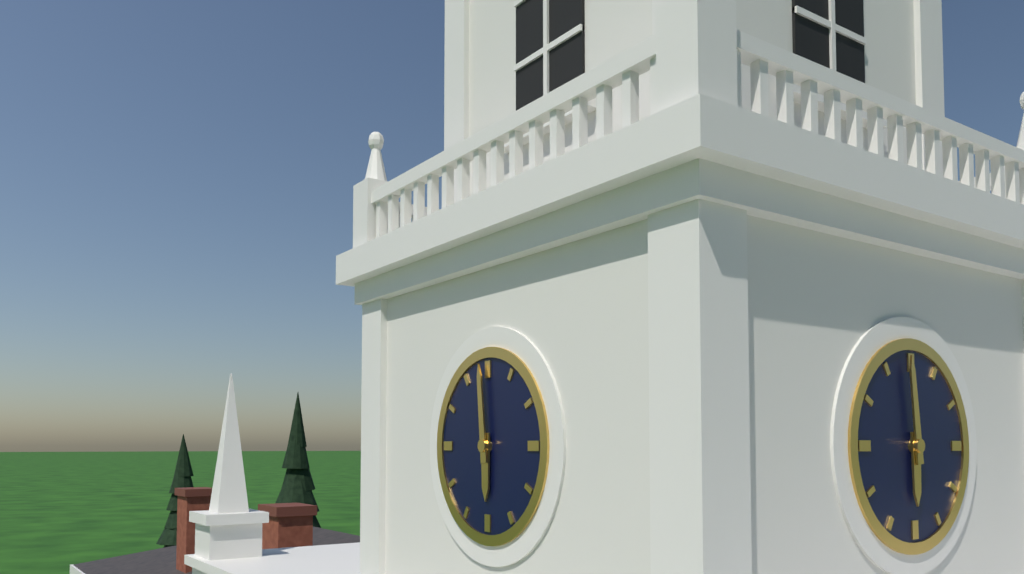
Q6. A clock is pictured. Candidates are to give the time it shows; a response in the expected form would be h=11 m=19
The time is h=5 m=59
